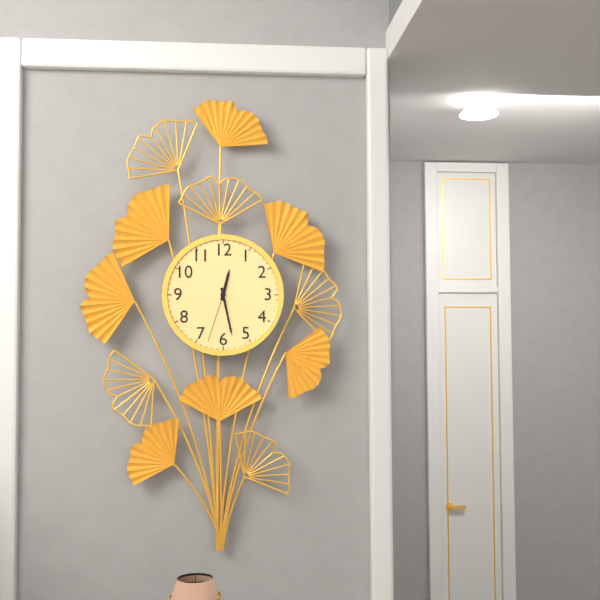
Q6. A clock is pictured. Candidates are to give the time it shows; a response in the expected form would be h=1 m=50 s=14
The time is h=12 m=28 s=33
